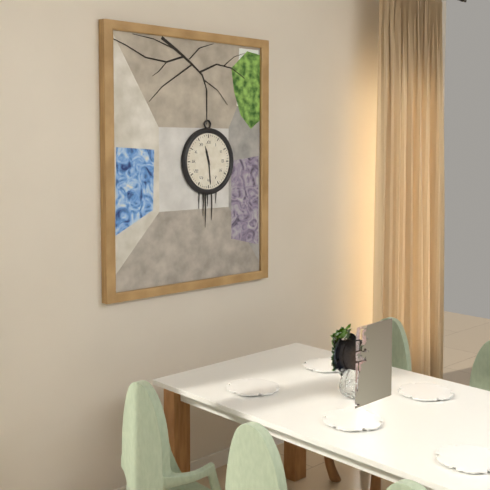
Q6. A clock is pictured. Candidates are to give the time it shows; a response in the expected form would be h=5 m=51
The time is h=11 m=29
